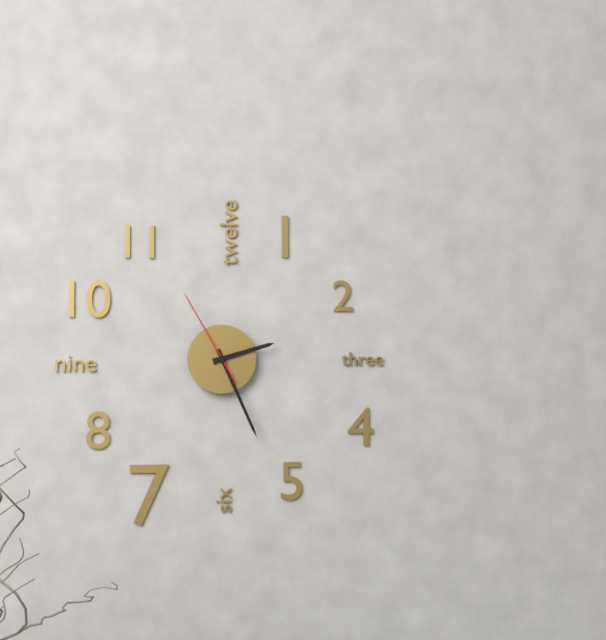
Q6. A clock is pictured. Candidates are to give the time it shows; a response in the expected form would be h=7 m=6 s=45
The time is h=2 m=26 s=55
